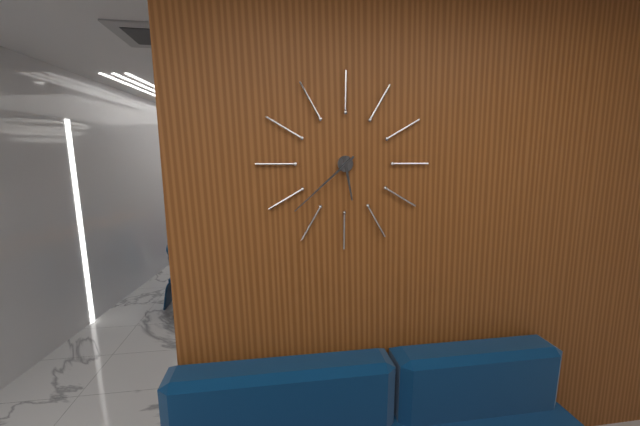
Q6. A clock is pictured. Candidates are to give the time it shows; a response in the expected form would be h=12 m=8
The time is h=5 m=38
